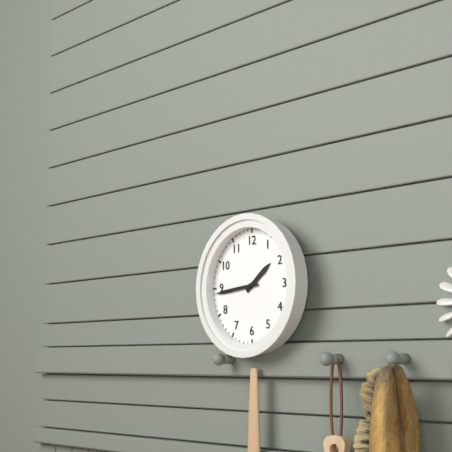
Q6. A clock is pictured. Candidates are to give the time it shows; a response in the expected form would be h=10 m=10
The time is h=1 m=44
